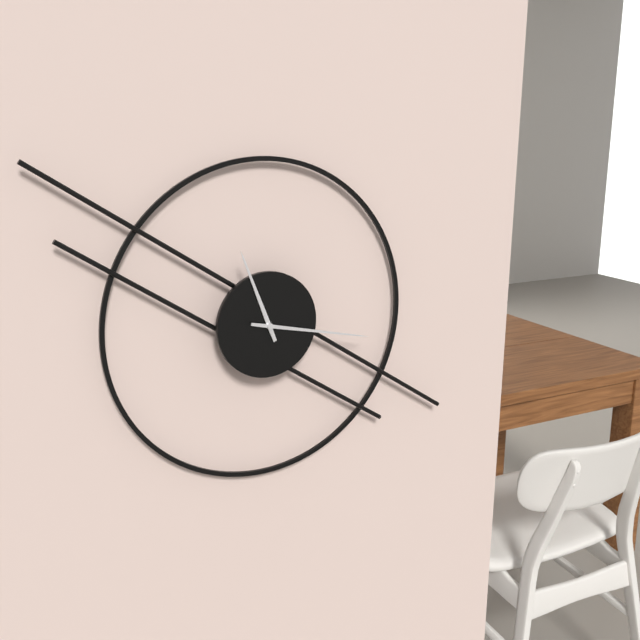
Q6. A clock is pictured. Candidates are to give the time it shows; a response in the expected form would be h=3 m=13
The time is h=11 m=17
